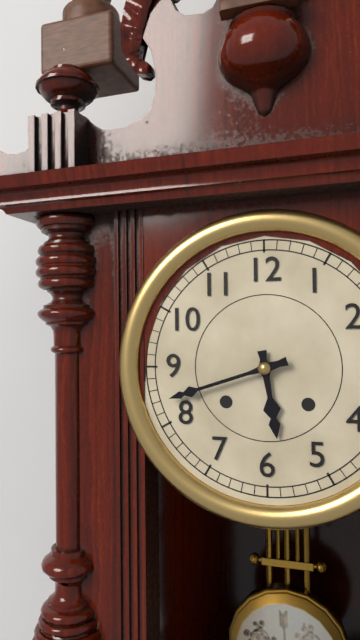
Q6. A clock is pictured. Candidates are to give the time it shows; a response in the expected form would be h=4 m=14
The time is h=5 m=42
